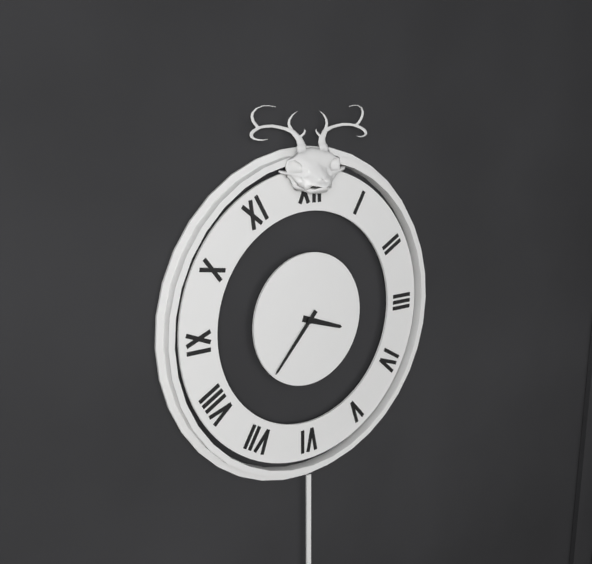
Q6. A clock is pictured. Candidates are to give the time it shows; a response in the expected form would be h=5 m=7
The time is h=3 m=37
